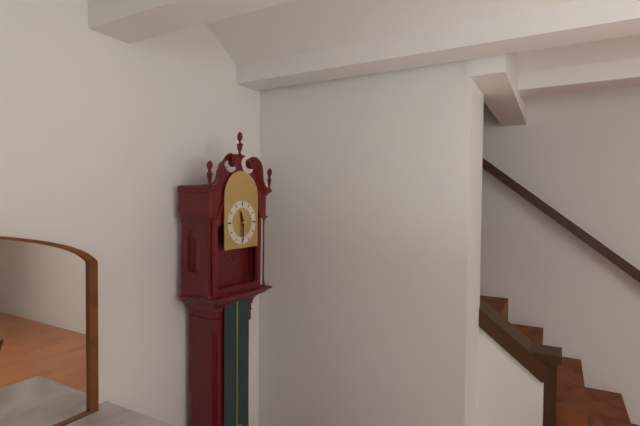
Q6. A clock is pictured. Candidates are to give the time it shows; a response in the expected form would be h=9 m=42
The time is h=11 m=30
